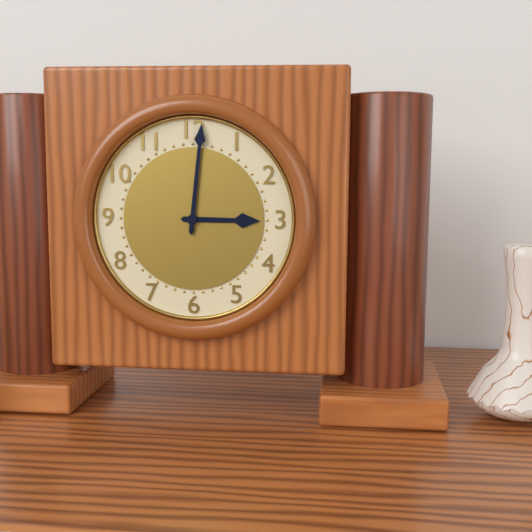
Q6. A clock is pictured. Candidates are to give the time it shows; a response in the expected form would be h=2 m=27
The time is h=3 m=1
